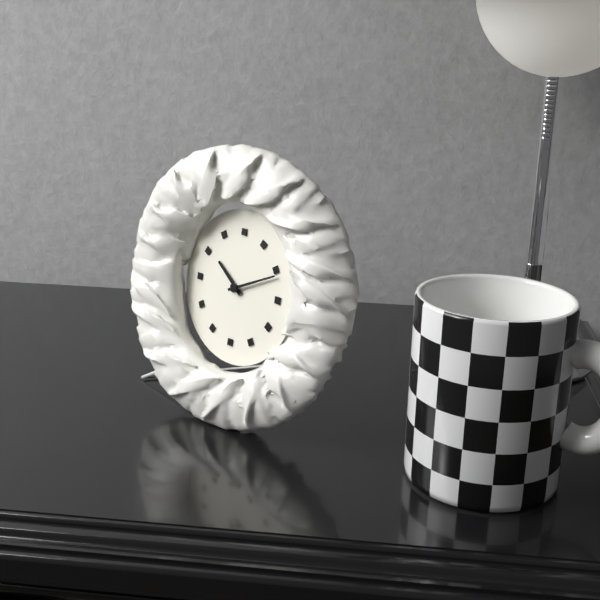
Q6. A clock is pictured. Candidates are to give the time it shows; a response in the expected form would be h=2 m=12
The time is h=10 m=11
